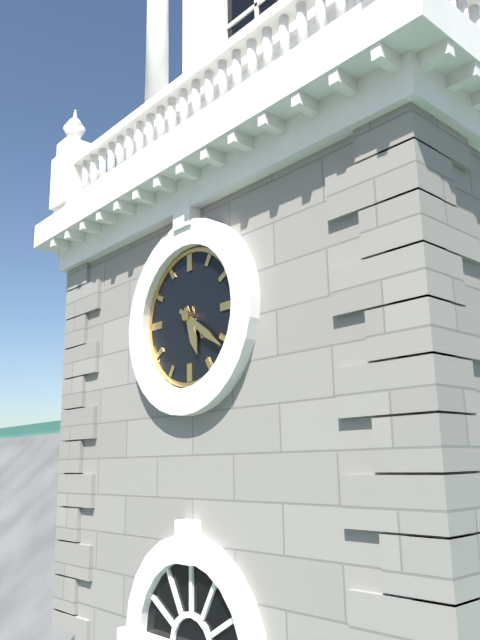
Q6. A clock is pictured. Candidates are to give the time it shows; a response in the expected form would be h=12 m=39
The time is h=5 m=21
